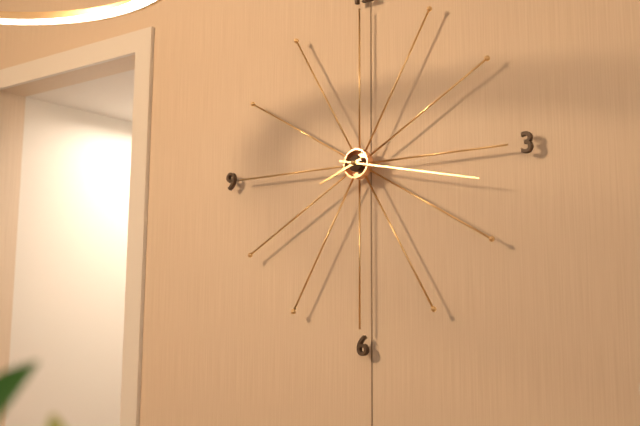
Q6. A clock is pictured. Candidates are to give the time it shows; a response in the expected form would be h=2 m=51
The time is h=8 m=17
